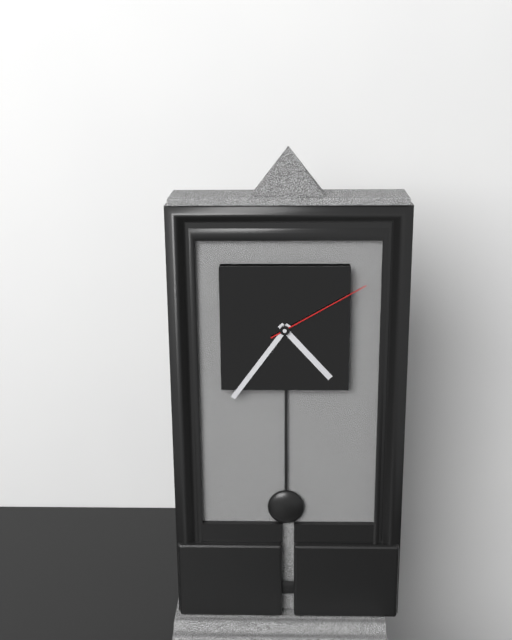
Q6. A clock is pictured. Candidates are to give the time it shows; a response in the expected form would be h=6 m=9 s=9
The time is h=4 m=36 s=10
